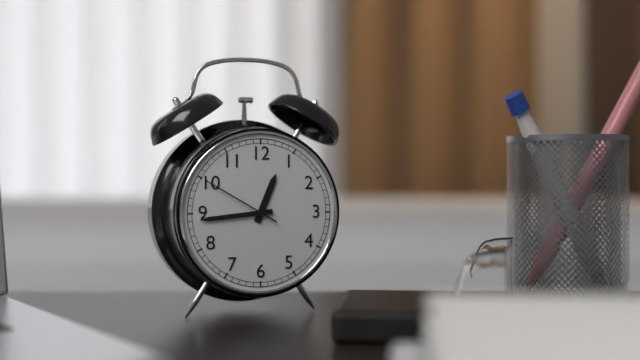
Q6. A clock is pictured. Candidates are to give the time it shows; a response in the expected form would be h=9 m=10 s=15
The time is h=12 m=44 s=50
